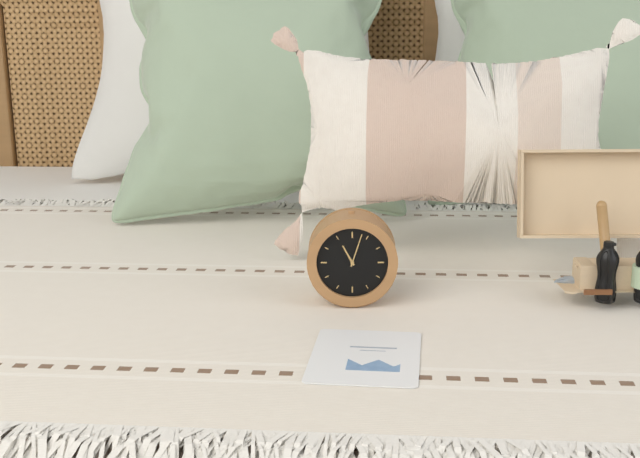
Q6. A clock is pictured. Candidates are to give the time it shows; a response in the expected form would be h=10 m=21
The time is h=11 m=3
